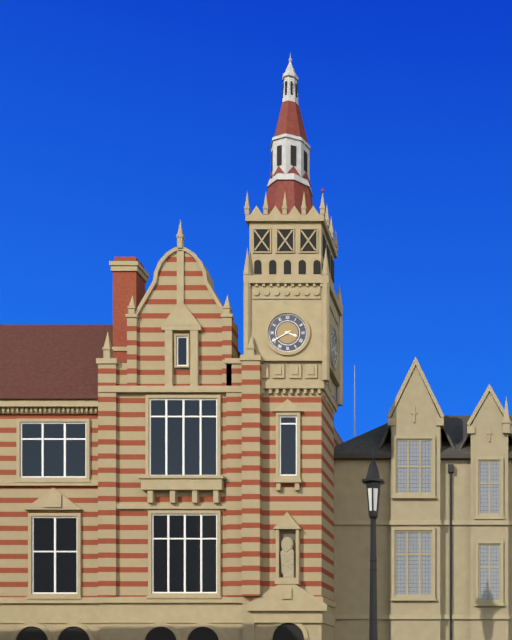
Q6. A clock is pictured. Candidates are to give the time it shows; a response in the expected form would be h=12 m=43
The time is h=3 m=40
